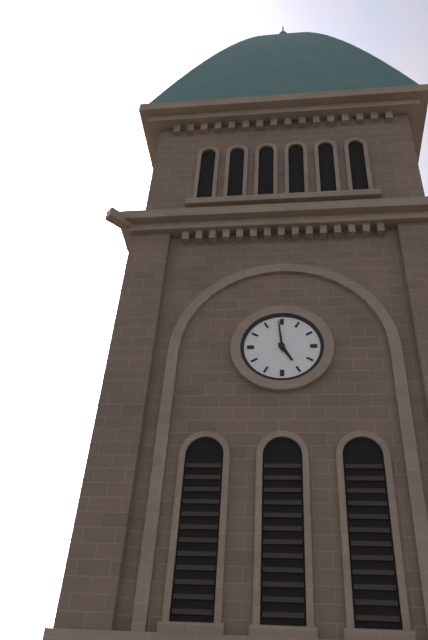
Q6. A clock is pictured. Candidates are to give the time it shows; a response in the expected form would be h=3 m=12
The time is h=4 m=59
